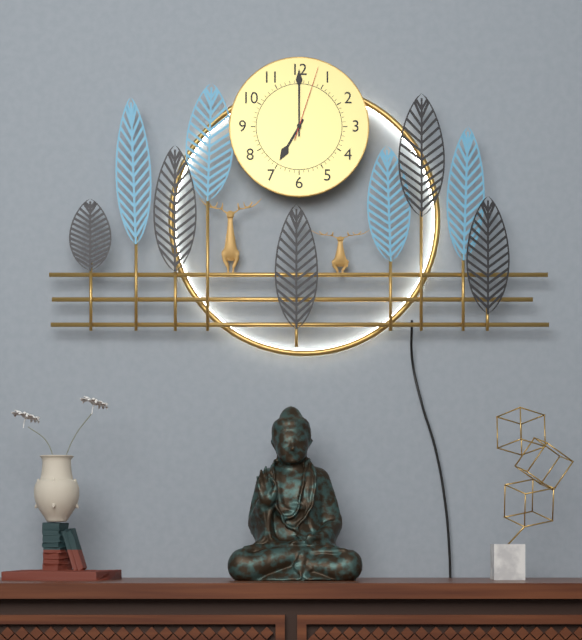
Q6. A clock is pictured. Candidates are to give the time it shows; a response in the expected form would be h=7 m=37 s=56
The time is h=7 m=0 s=3
